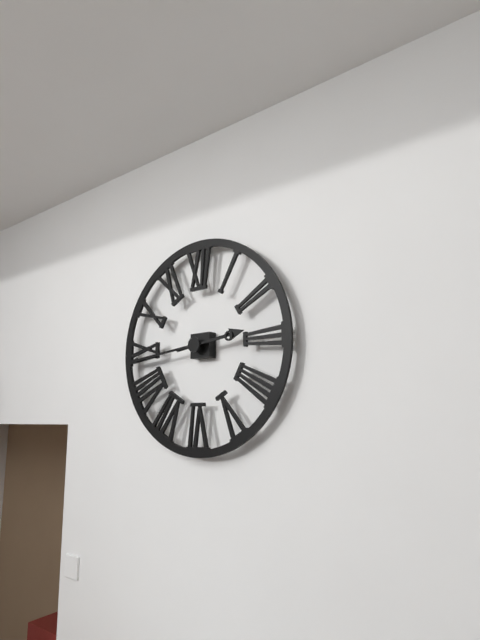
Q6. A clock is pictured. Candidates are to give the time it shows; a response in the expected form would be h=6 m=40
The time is h=2 m=44
